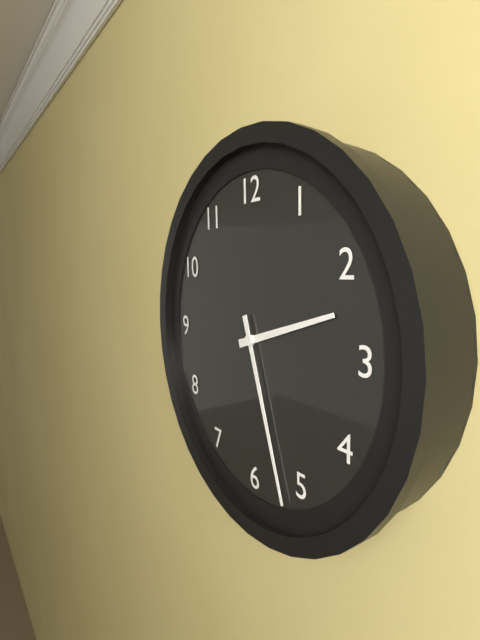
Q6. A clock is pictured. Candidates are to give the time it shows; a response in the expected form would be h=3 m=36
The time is h=2 m=27
